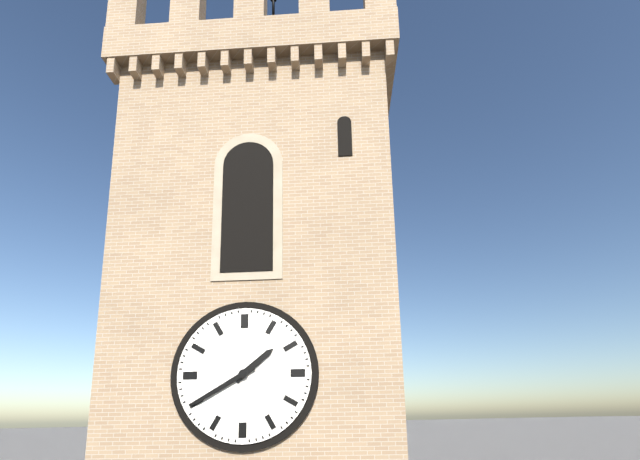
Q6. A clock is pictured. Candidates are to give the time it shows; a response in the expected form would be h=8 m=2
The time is h=1 m=40
